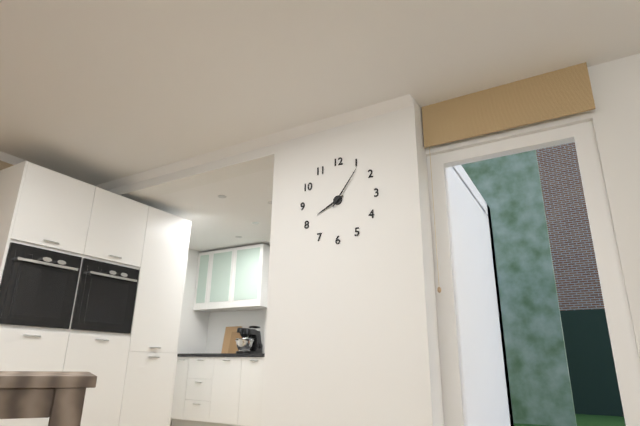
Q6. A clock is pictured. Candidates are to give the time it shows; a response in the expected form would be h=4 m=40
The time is h=8 m=6
